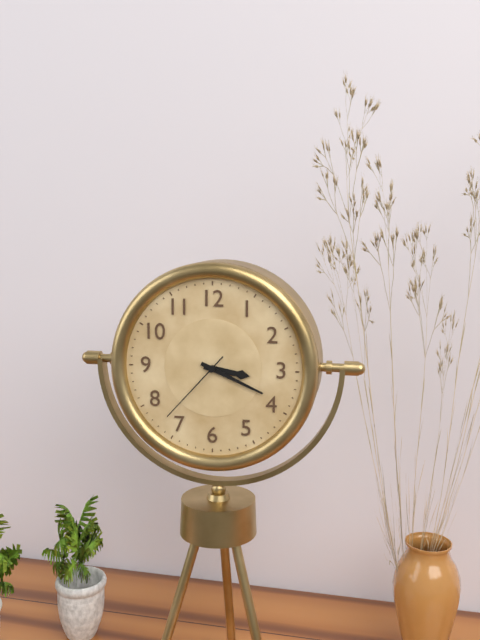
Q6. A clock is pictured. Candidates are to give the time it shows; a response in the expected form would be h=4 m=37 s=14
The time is h=3 m=19 s=37
